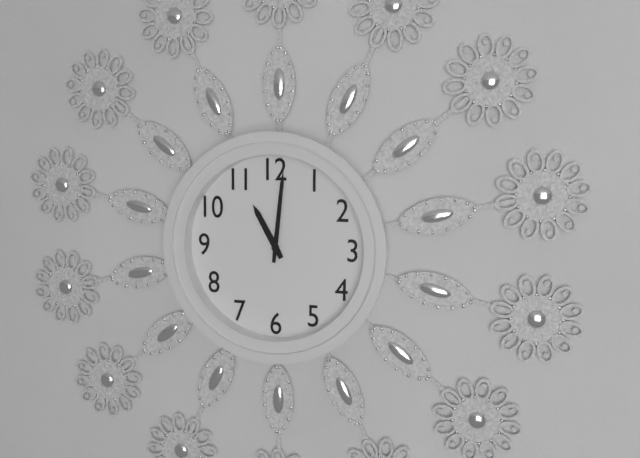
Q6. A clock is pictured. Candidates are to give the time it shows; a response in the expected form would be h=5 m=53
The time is h=11 m=1
